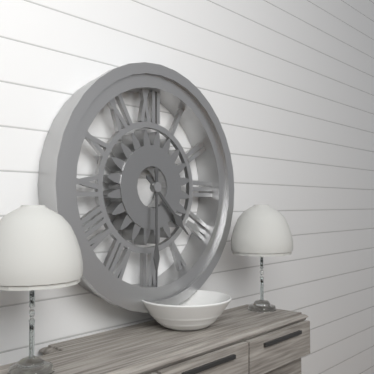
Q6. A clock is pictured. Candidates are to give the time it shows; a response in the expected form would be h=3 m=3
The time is h=4 m=30
